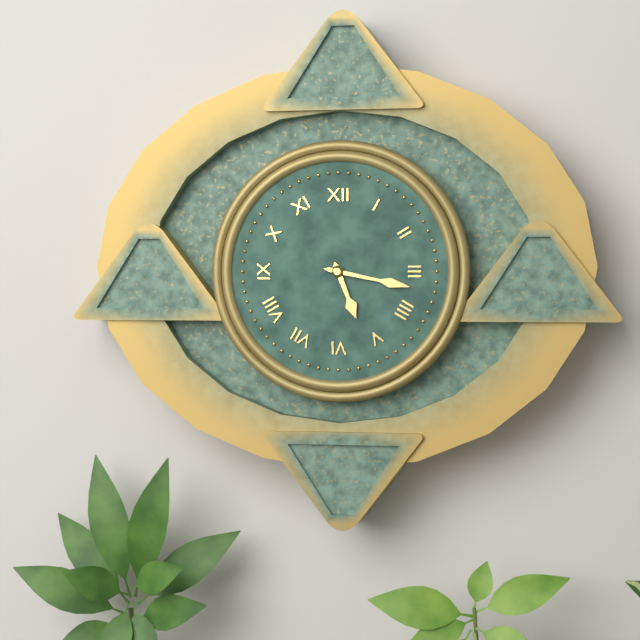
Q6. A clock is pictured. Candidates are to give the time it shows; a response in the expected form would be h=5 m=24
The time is h=5 m=17
